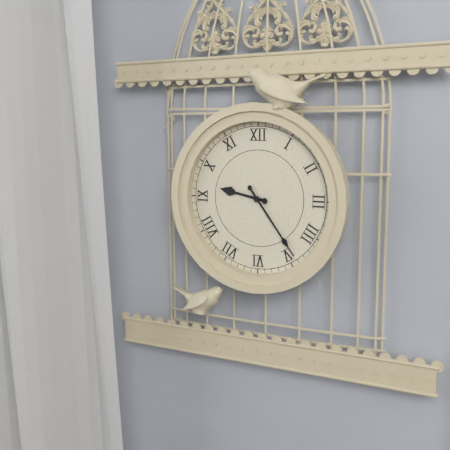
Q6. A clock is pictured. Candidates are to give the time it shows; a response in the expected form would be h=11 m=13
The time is h=9 m=24
